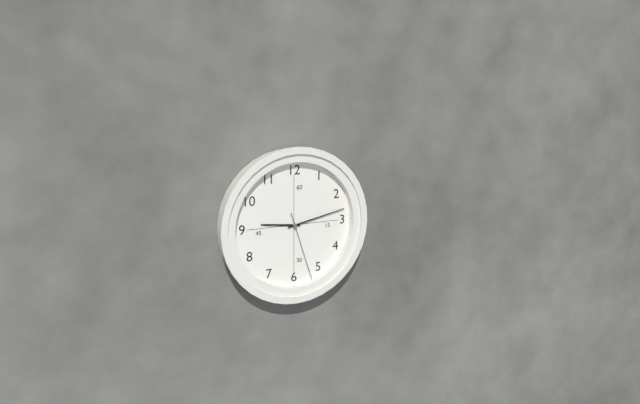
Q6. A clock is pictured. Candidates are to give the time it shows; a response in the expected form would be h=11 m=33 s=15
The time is h=9 m=13 s=27
